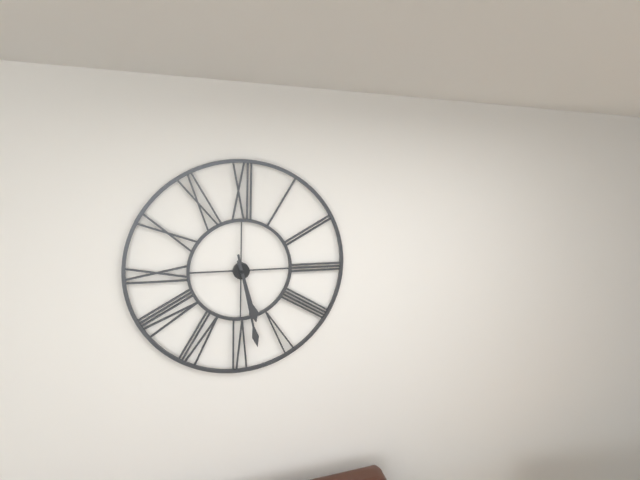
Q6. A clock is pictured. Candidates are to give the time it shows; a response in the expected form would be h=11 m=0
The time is h=5 m=28
